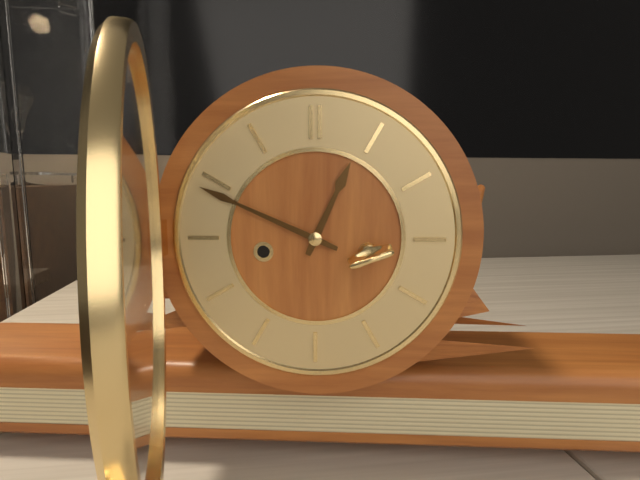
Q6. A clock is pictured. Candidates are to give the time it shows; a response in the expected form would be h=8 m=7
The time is h=12 m=49
